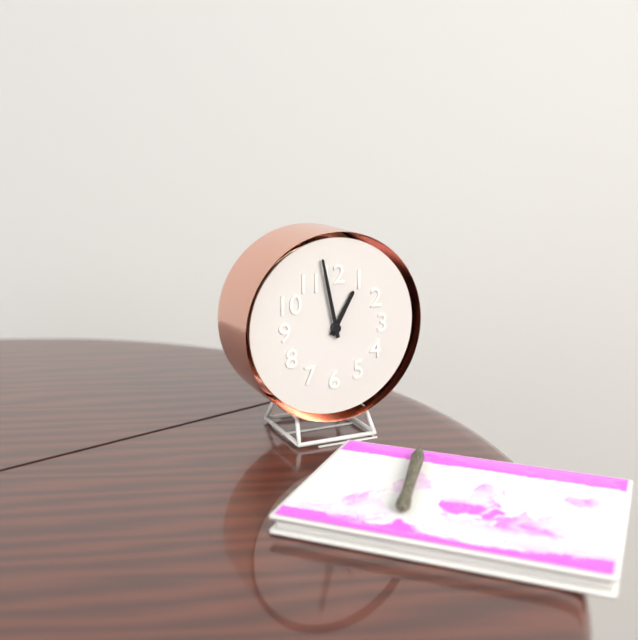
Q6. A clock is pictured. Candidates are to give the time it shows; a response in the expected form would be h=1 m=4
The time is h=12 m=58
